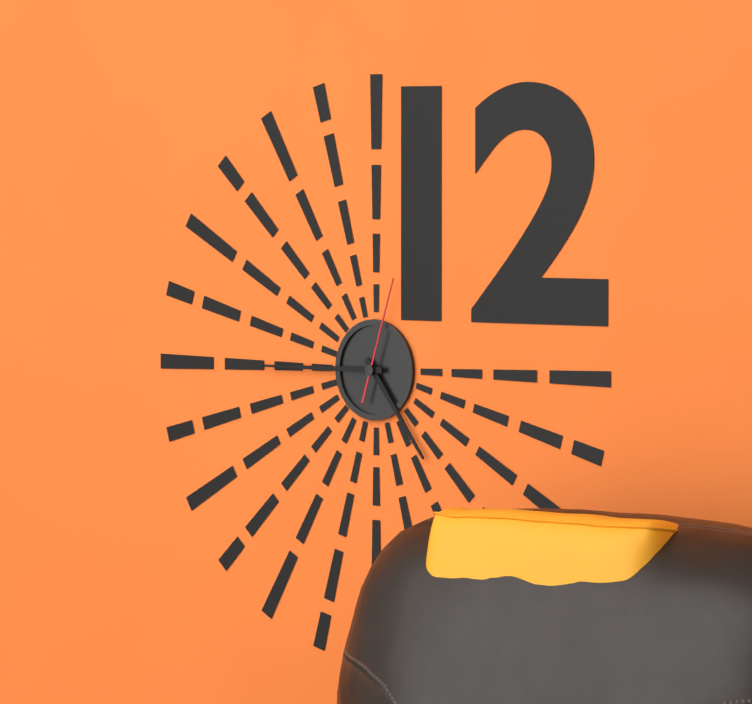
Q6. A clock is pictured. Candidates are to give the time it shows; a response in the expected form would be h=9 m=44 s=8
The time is h=4 m=45 s=3
